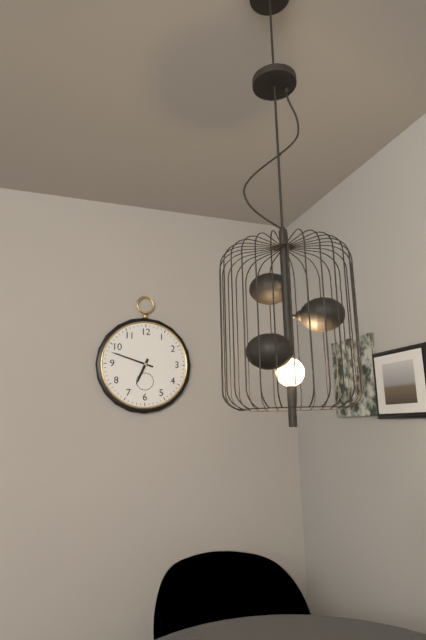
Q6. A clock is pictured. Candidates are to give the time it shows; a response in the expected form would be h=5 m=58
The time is h=6 m=48
